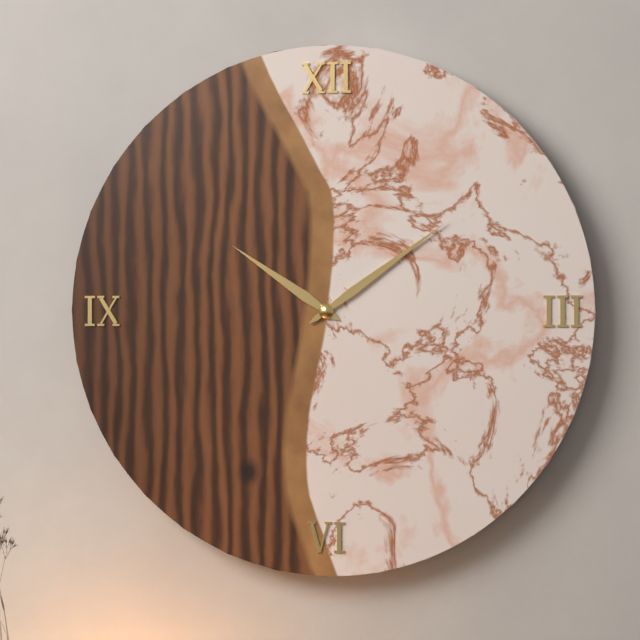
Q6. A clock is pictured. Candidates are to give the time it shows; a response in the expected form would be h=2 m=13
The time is h=10 m=9
